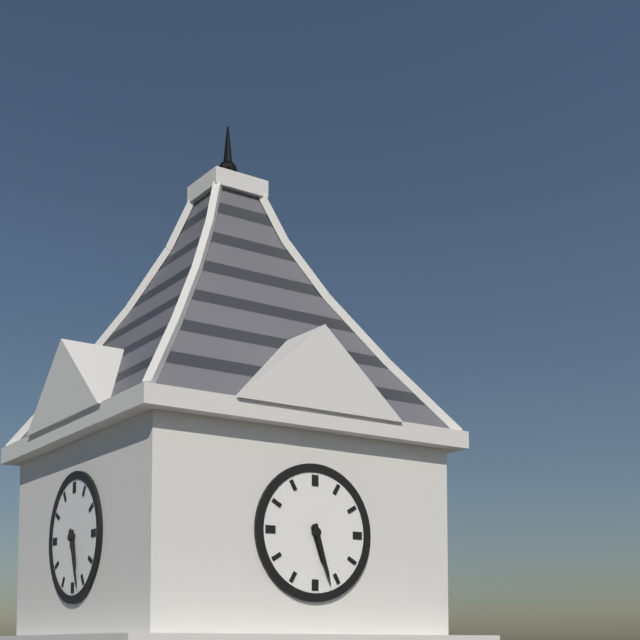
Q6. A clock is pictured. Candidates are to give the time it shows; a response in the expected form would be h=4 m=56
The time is h=5 m=27
